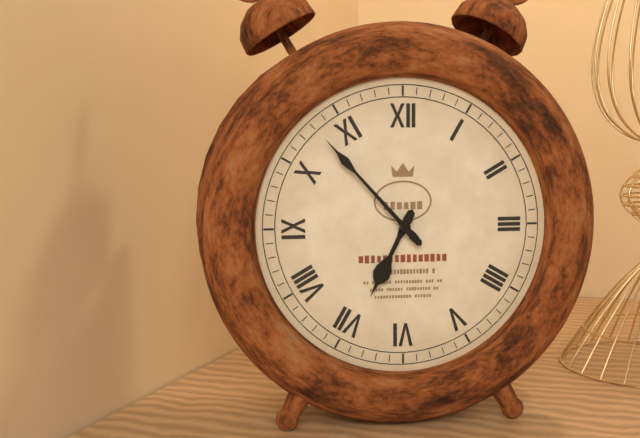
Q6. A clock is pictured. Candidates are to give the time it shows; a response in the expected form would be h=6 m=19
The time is h=6 m=53
